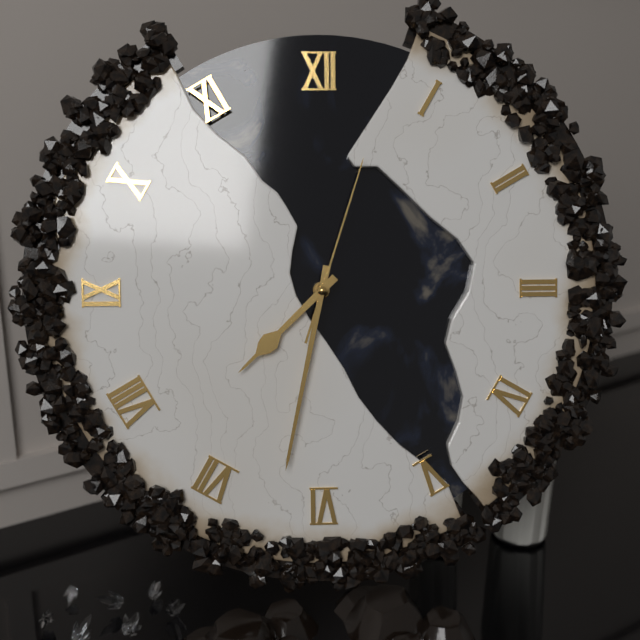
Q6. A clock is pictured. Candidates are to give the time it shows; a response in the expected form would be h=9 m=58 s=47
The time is h=7 m=32 s=3
